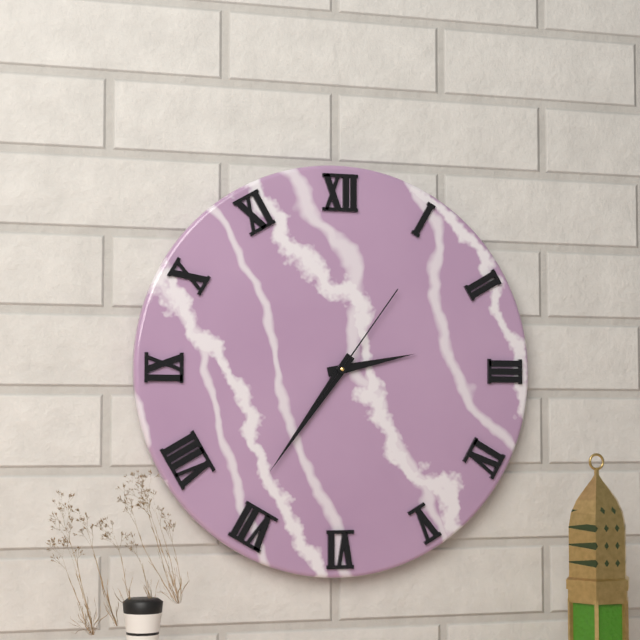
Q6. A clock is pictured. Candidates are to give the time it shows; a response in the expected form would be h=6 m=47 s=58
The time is h=2 m=36 s=6
